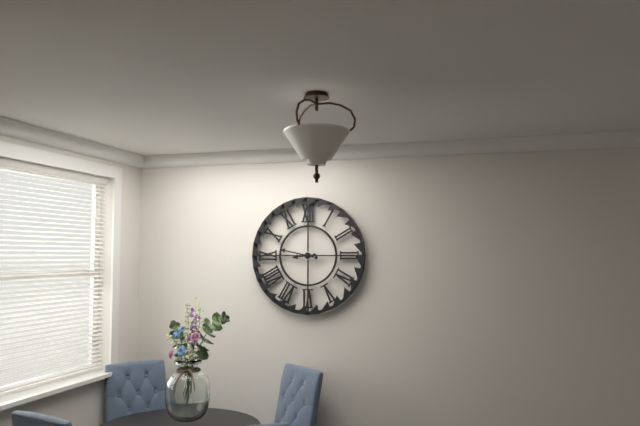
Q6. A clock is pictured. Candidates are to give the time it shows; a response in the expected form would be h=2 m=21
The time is h=8 m=47
